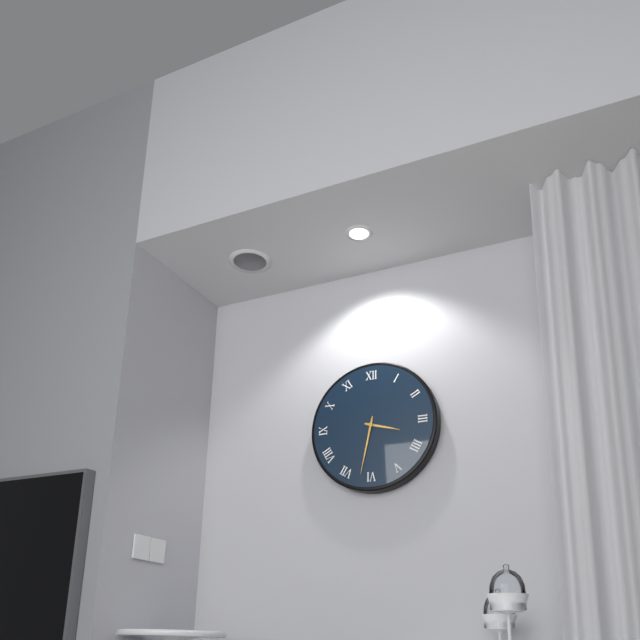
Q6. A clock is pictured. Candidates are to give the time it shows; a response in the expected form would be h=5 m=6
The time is h=3 m=32
